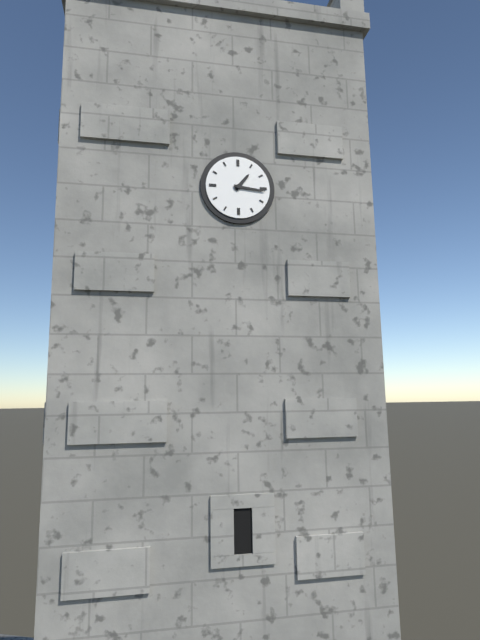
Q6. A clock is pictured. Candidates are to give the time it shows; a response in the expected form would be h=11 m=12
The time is h=1 m=16
